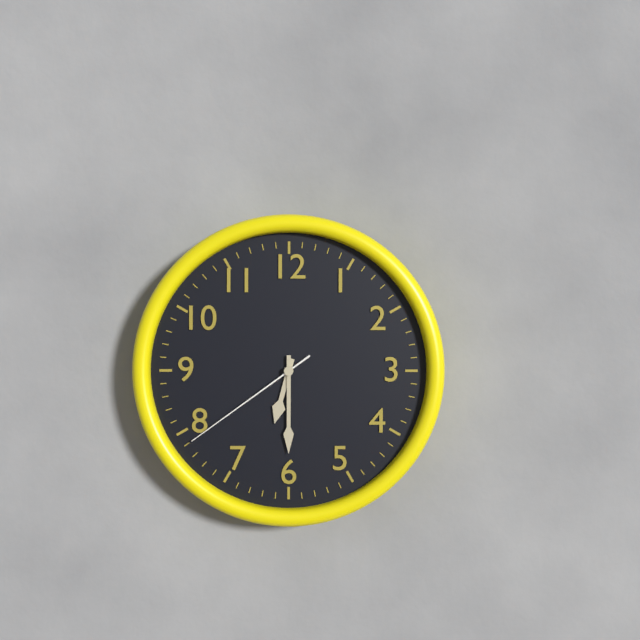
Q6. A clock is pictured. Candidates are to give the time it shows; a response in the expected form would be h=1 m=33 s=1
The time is h=6 m=30 s=39
